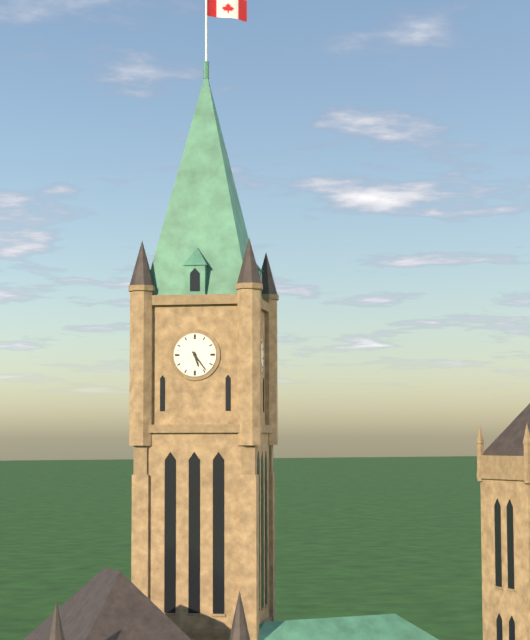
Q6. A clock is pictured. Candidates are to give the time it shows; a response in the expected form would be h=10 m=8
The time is h=5 m=24
